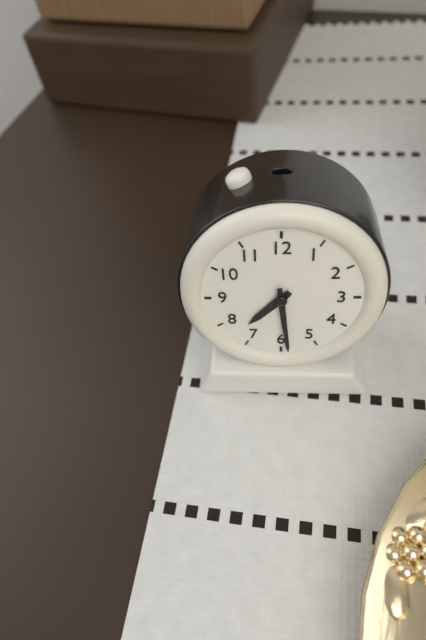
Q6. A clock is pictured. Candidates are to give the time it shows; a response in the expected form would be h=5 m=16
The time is h=7 m=29
